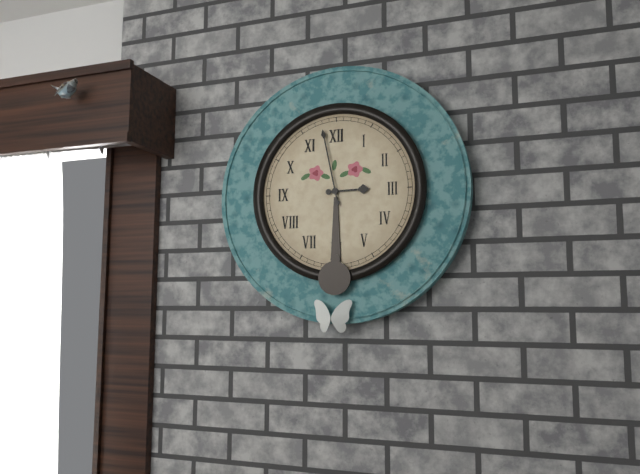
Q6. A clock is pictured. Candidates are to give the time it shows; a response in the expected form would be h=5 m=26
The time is h=2 m=58
